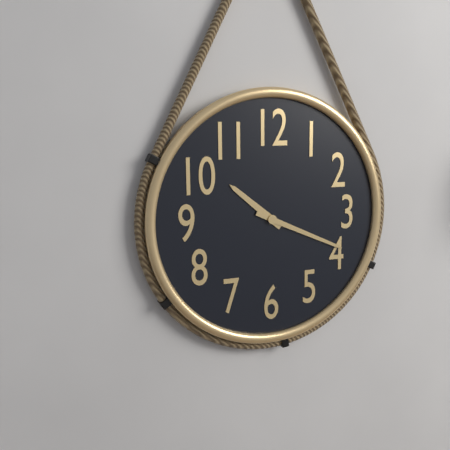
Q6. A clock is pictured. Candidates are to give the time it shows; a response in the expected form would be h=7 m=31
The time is h=10 m=19
